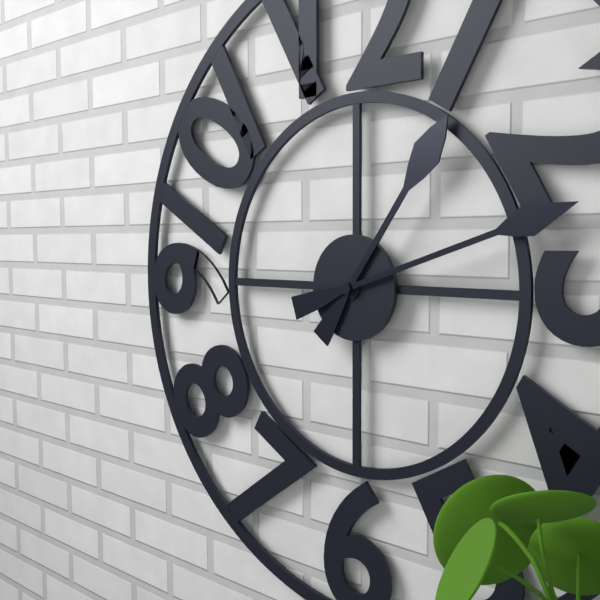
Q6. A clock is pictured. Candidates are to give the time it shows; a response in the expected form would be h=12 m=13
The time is h=1 m=12
